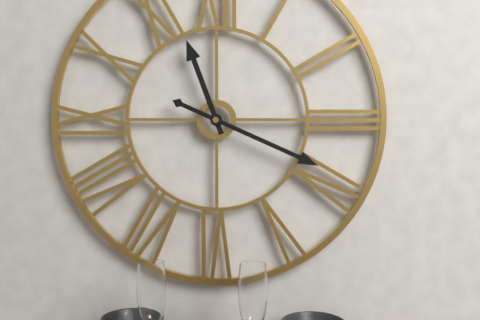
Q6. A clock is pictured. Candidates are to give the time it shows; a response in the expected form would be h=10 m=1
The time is h=11 m=19
